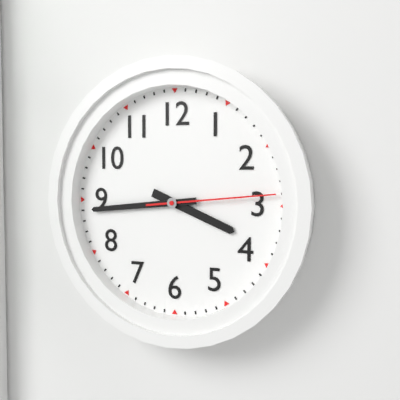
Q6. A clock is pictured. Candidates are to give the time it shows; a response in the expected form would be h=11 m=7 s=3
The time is h=3 m=44 s=14
